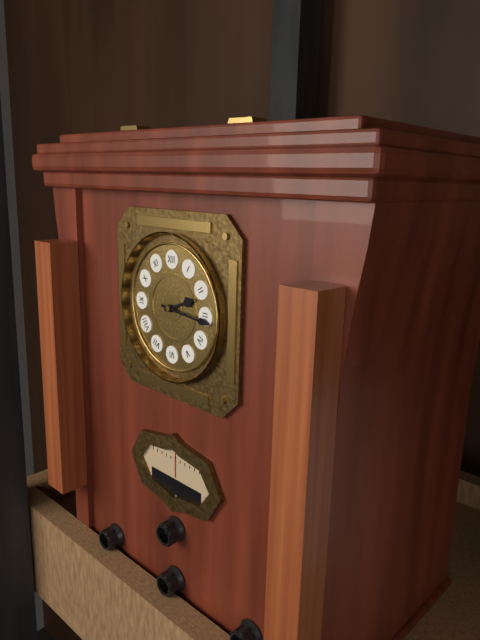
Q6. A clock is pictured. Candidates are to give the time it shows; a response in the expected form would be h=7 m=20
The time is h=2 m=16
